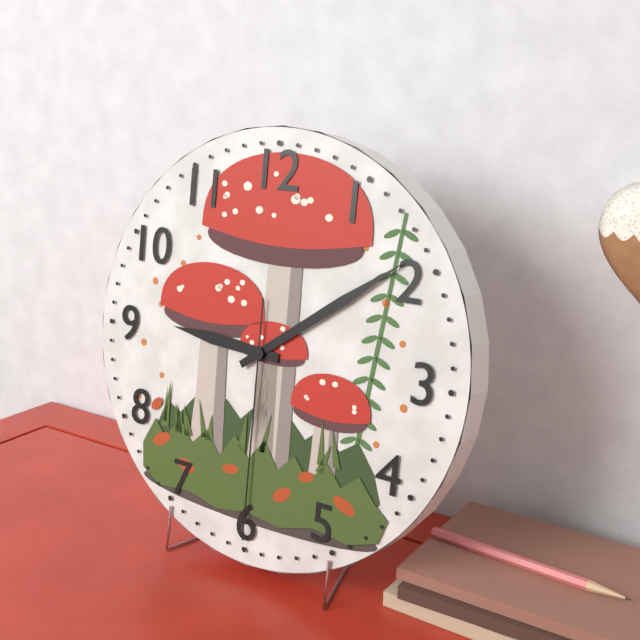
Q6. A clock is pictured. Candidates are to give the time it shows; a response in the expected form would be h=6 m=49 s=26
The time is h=9 m=9 s=30
